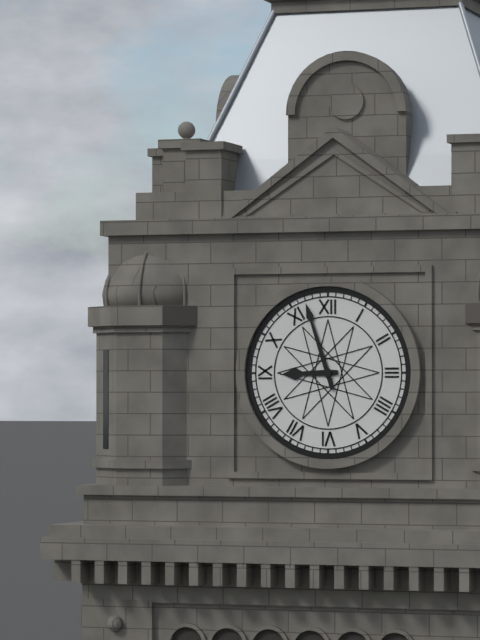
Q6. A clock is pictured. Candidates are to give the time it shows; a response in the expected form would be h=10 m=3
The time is h=8 m=57
